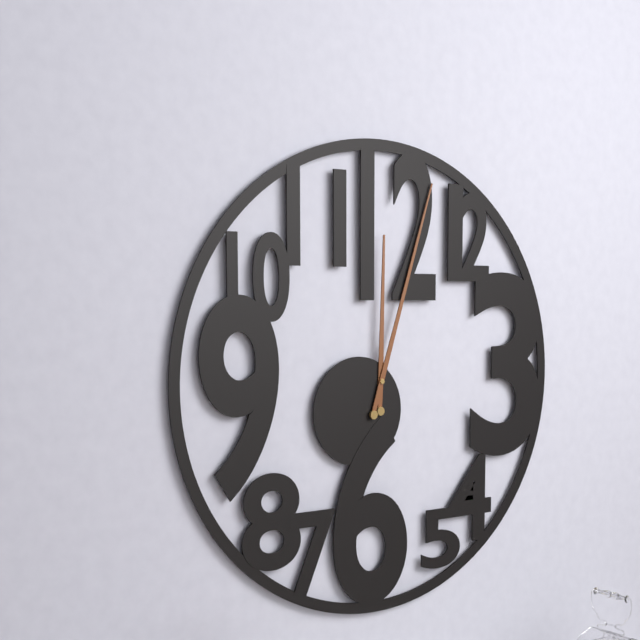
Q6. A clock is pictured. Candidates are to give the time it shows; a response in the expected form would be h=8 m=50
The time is h=12 m=3
